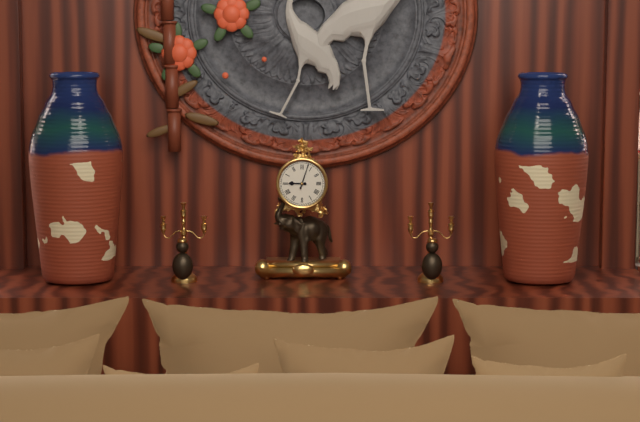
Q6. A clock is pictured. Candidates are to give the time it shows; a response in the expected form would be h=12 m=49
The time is h=9 m=3
